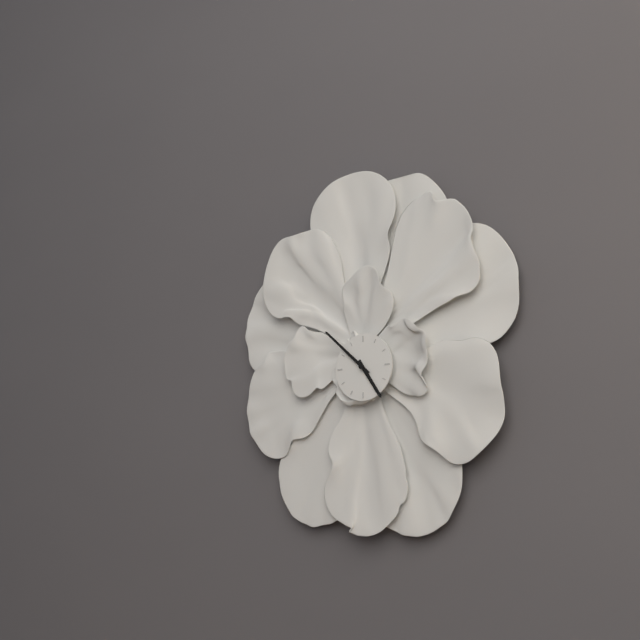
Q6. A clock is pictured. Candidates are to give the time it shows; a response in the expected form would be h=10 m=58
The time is h=4 m=52
